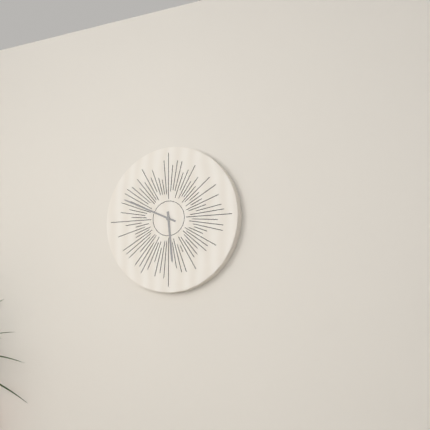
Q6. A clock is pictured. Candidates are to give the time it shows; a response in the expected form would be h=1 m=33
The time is h=5 m=49
